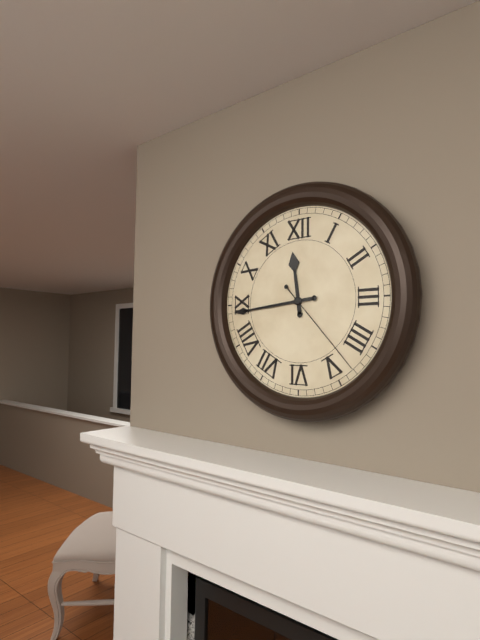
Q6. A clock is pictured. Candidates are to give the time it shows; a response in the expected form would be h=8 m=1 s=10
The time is h=11 m=44 s=23
